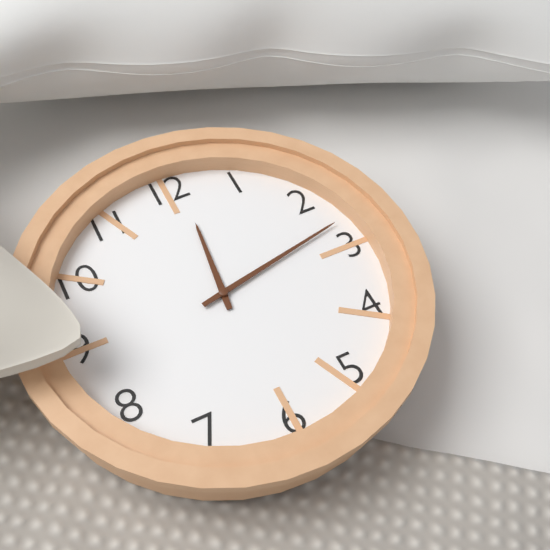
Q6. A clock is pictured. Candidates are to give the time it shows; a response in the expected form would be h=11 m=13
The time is h=12 m=13
